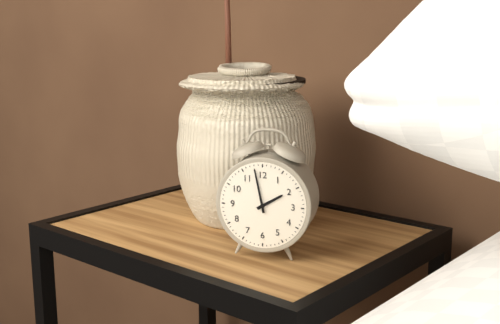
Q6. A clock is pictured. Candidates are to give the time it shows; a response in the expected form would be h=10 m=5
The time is h=1 m=58
